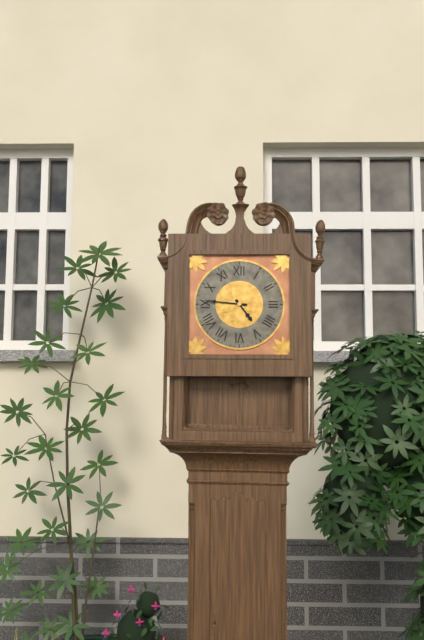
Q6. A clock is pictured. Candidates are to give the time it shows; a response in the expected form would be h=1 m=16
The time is h=4 m=46
